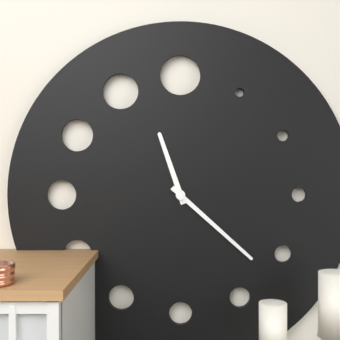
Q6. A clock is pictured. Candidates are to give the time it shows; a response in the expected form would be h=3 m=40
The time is h=11 m=22
